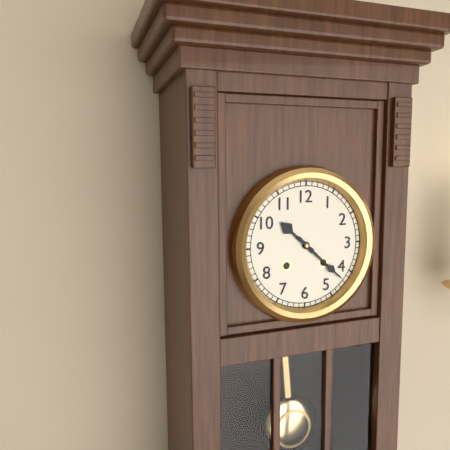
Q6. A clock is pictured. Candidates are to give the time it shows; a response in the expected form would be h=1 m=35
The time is h=10 m=22
